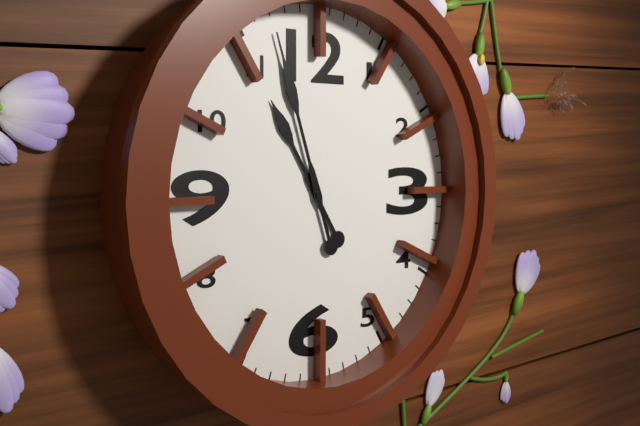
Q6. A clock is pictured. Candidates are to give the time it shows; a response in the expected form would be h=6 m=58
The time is h=10 m=57
